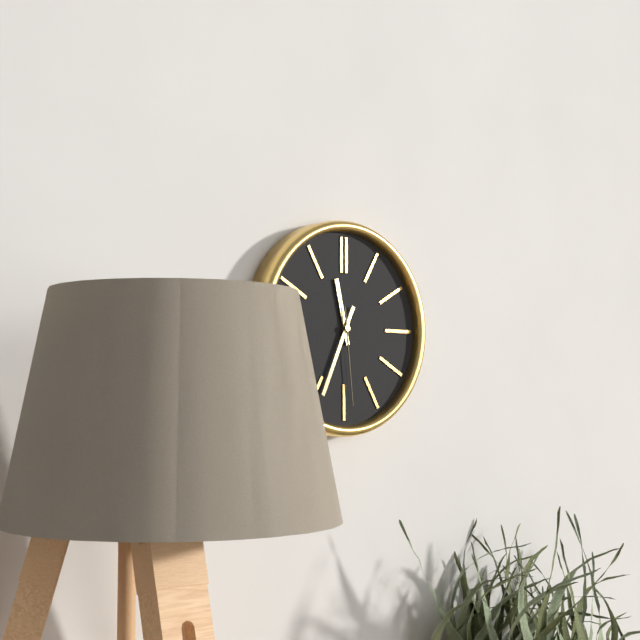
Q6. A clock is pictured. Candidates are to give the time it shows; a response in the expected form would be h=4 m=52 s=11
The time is h=11 m=34 s=29
